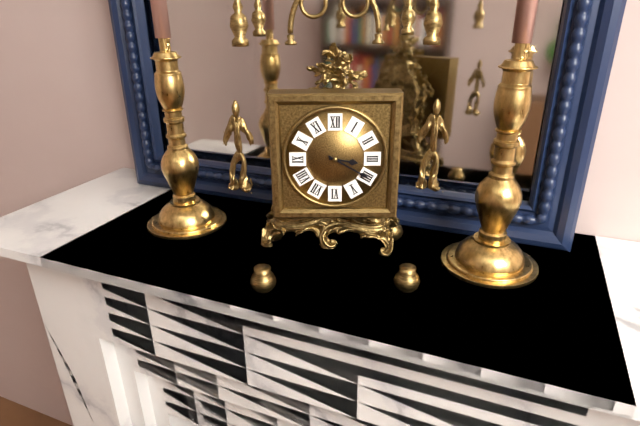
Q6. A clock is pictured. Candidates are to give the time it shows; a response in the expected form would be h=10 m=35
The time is h=3 m=20
